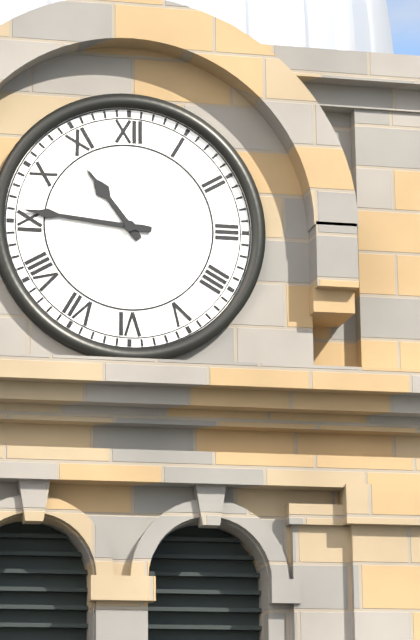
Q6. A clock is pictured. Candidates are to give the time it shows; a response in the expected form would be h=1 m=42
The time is h=10 m=46
